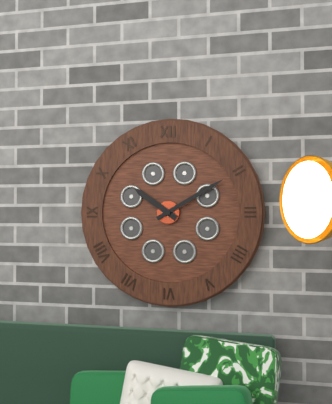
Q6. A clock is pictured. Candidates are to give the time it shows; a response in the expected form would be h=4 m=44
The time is h=10 m=10
